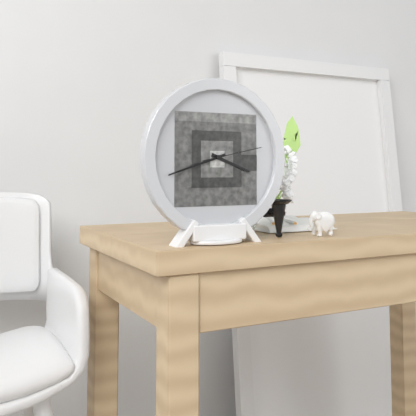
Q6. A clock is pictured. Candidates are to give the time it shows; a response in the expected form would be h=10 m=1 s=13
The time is h=3 m=42 s=13
